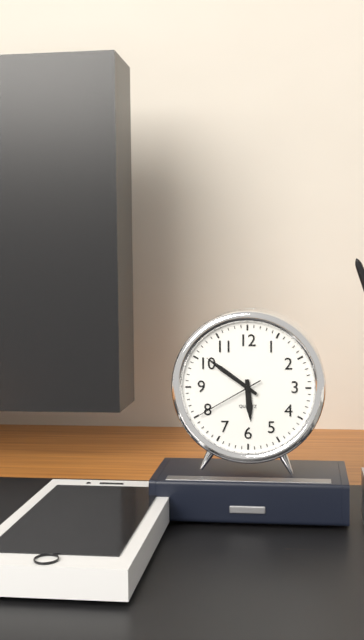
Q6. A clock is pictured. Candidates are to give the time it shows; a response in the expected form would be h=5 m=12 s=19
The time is h=5 m=51 s=40
